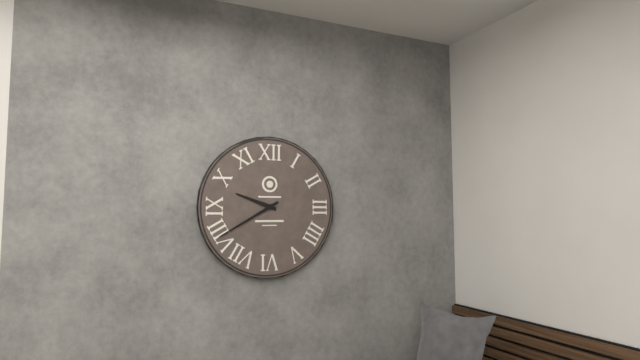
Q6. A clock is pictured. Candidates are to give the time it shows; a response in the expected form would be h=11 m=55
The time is h=9 m=40
